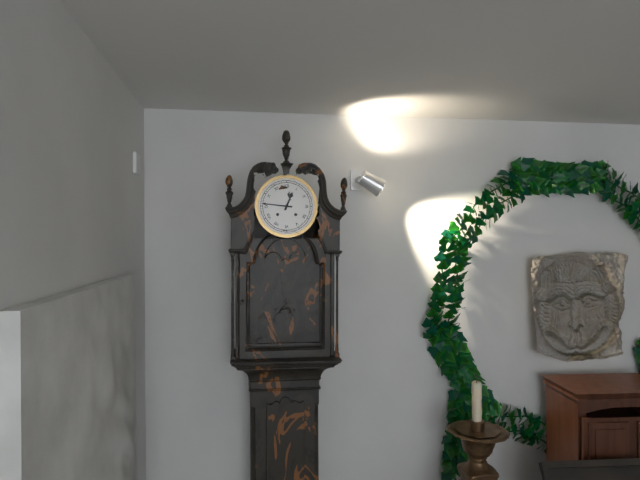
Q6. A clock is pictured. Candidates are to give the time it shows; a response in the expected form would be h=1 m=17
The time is h=12 m=46
